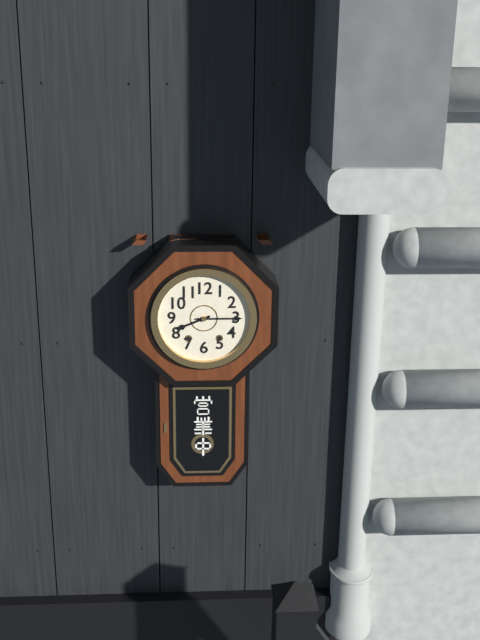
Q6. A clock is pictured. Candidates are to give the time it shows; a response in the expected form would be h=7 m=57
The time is h=8 m=15
